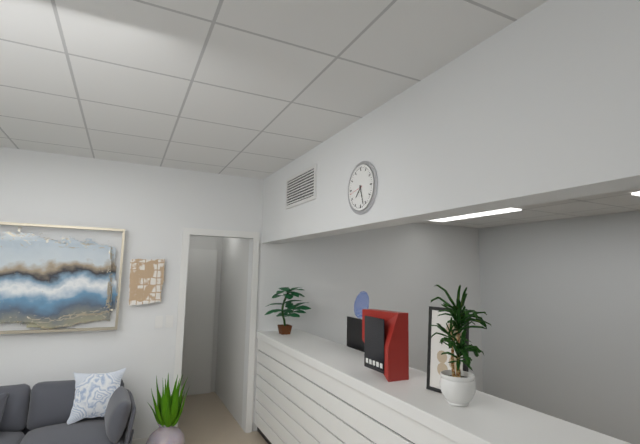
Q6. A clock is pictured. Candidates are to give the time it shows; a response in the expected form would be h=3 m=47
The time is h=7 m=27
